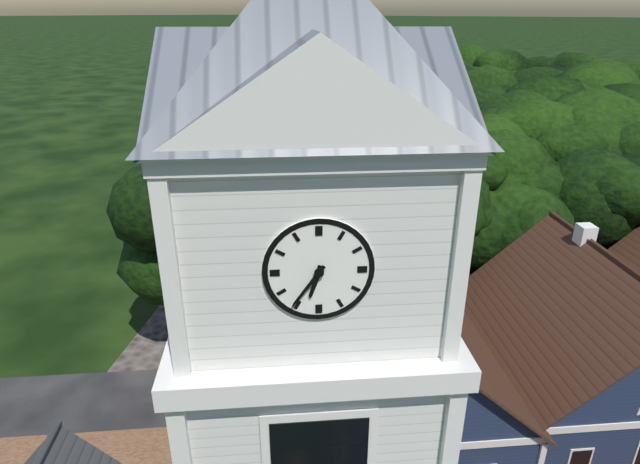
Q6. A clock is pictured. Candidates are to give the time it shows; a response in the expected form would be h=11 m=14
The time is h=6 m=36
